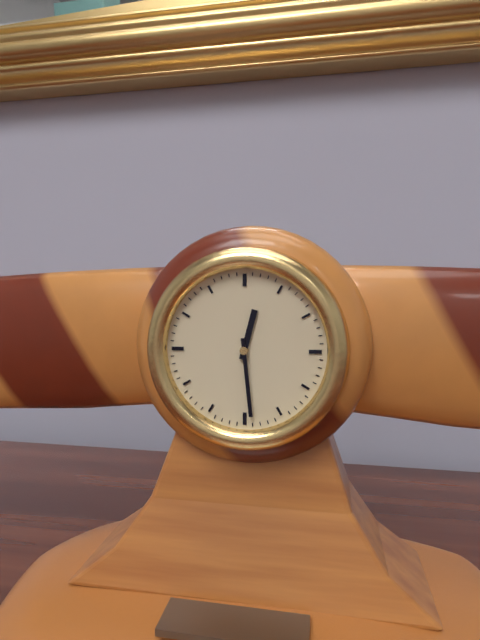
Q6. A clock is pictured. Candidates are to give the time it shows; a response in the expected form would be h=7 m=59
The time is h=12 m=29
